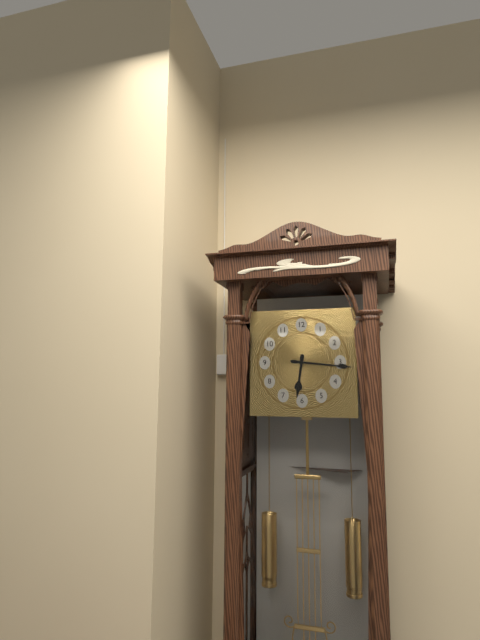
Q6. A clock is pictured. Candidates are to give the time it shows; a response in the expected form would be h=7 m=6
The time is h=6 m=16
